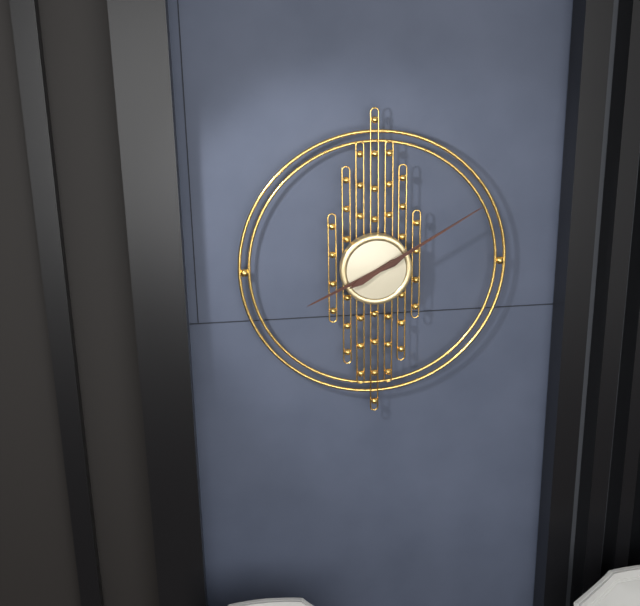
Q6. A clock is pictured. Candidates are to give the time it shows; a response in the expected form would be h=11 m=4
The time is h=8 m=10
